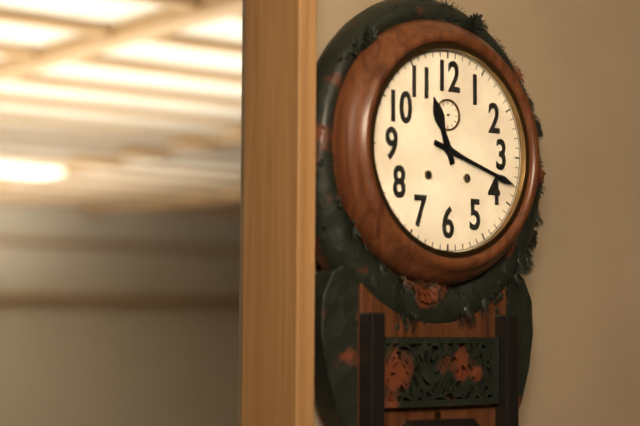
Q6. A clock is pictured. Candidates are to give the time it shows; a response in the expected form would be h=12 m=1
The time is h=11 m=18
